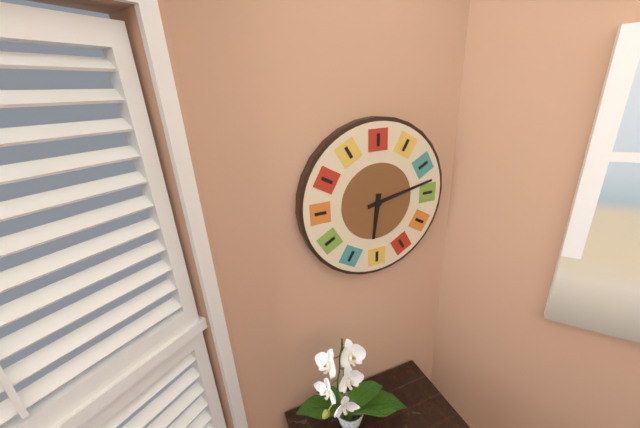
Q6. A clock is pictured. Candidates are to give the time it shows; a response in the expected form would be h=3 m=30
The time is h=6 m=13
